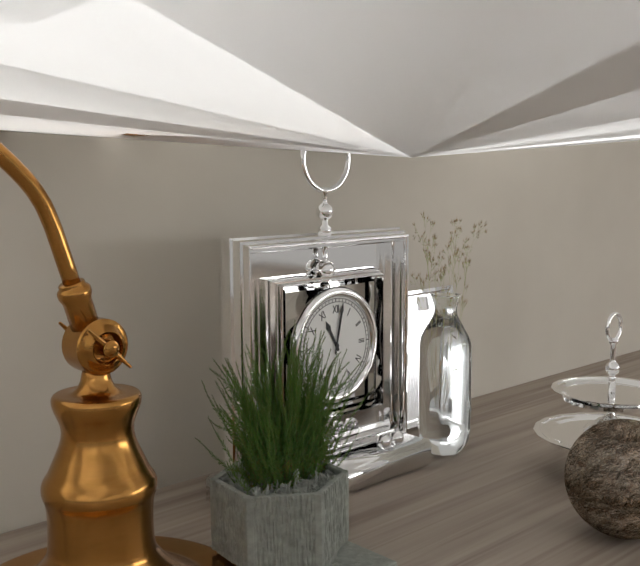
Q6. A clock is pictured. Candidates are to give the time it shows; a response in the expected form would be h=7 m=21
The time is h=11 m=2
